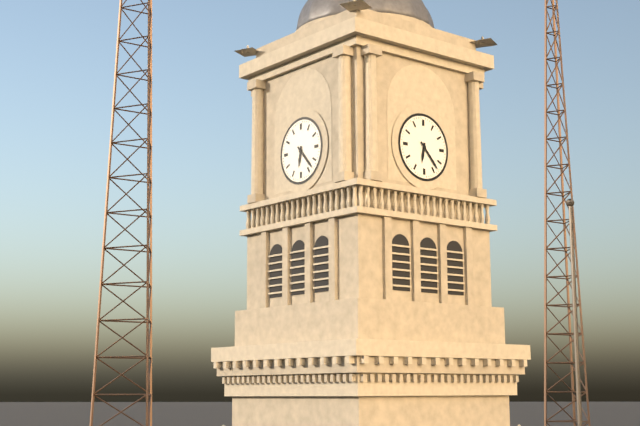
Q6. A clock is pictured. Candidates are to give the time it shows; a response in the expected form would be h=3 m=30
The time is h=6 m=23
